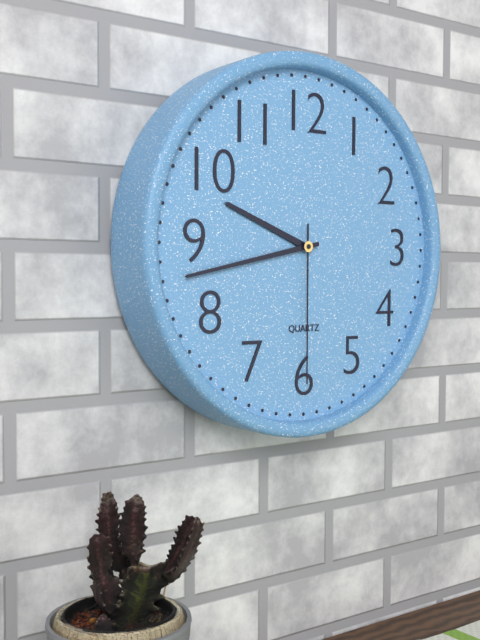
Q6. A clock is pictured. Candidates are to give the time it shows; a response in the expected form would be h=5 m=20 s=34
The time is h=9 m=43 s=30
